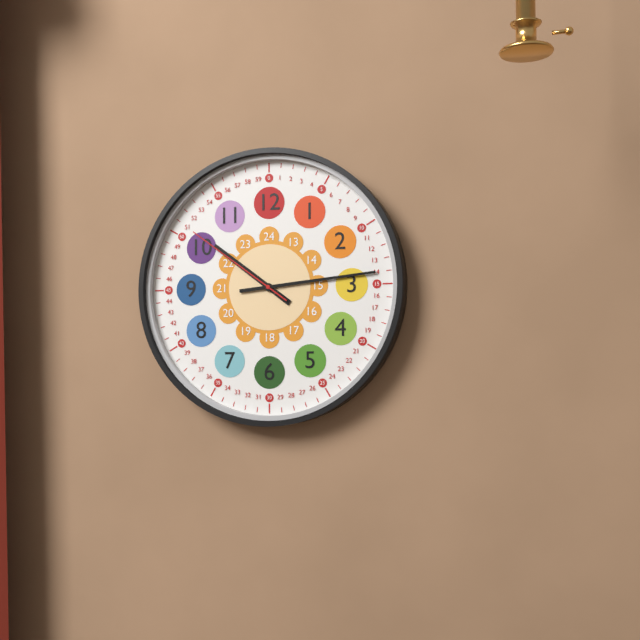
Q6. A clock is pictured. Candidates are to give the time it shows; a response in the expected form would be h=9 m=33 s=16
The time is h=10 m=14 s=51
